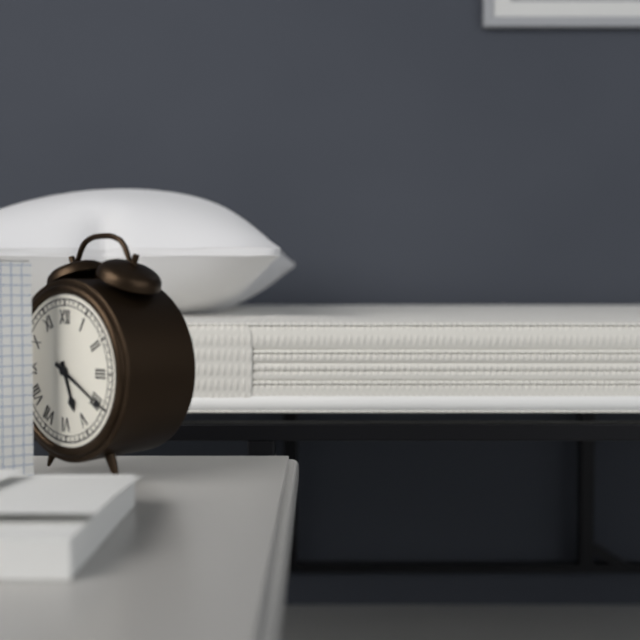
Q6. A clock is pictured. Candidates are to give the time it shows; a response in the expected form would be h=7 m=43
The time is h=5 m=20
